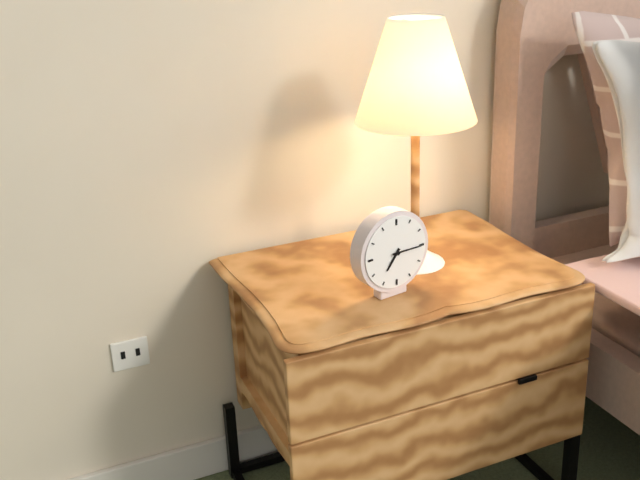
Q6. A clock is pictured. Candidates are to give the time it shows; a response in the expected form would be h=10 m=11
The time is h=7 m=15
